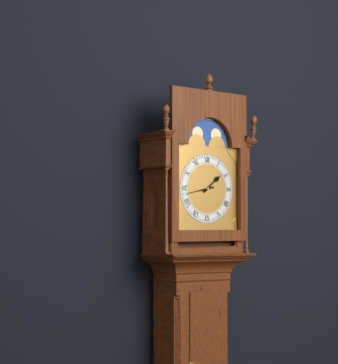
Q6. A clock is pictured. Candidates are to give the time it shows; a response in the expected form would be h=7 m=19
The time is h=1 m=43
